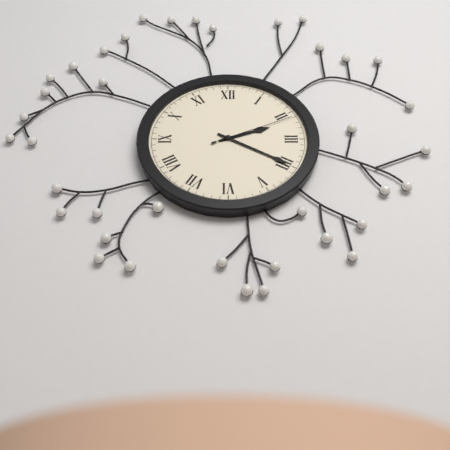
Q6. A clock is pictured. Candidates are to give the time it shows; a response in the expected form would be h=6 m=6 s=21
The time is h=2 m=20 s=11
